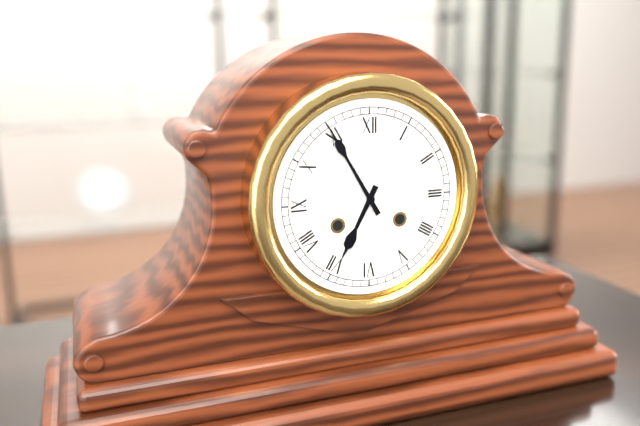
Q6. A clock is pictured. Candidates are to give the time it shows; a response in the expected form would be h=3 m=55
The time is h=6 m=55
